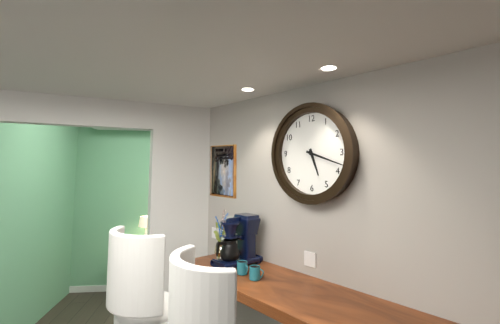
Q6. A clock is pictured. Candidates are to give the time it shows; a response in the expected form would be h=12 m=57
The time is h=5 m=18
